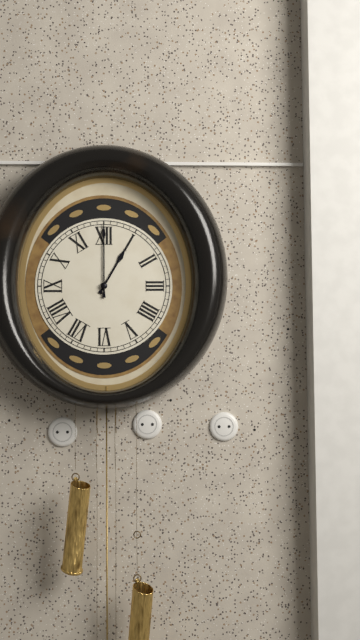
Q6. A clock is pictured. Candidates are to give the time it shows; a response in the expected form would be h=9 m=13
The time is h=1 m=0
